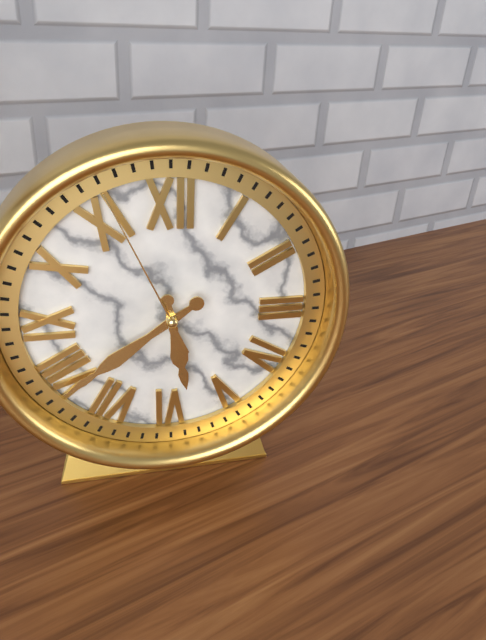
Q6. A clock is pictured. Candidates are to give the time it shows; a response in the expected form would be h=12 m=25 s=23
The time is h=5 m=39 s=56
